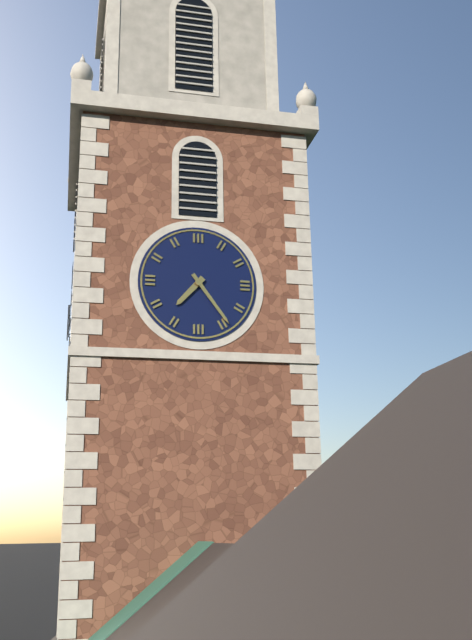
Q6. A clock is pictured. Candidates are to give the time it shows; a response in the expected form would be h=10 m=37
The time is h=7 m=24
